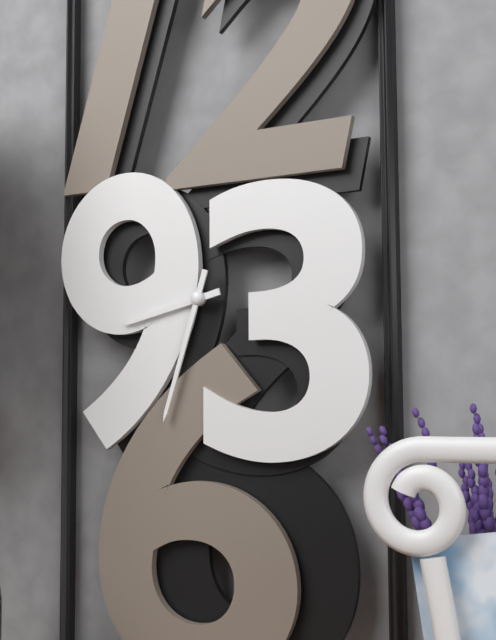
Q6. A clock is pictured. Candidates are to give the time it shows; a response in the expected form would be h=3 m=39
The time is h=8 m=33
